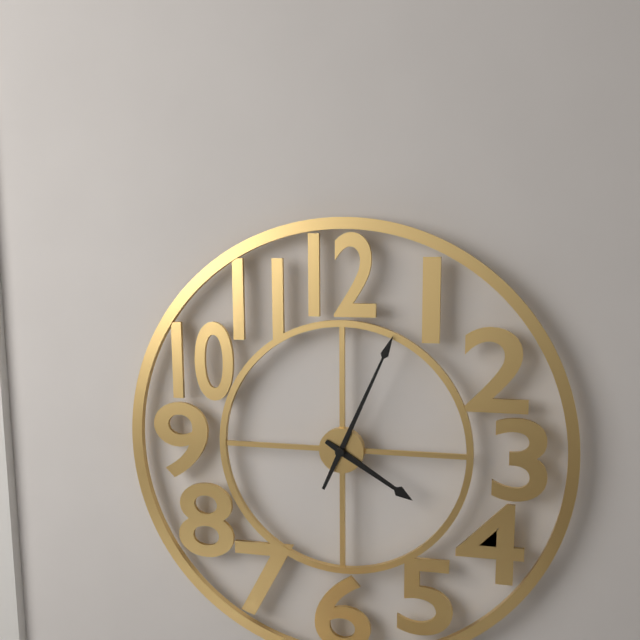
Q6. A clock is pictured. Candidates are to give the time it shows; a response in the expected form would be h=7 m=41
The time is h=4 m=4
